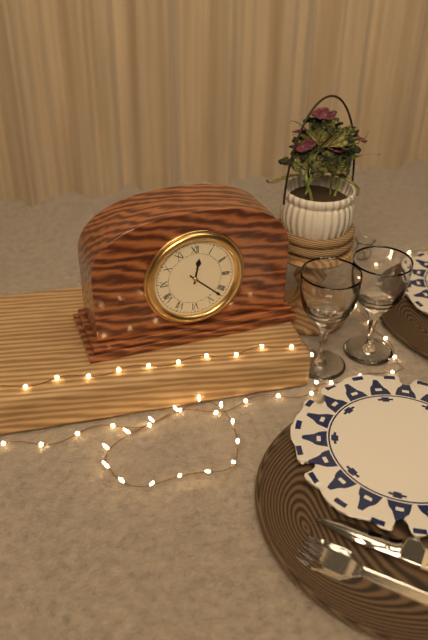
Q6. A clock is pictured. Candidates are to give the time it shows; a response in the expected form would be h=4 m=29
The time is h=12 m=22
